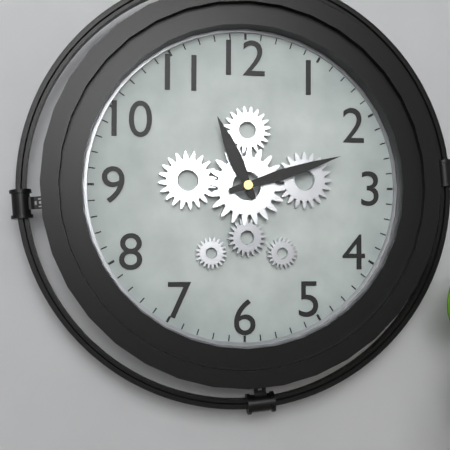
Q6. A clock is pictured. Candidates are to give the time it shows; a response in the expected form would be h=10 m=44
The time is h=11 m=12
